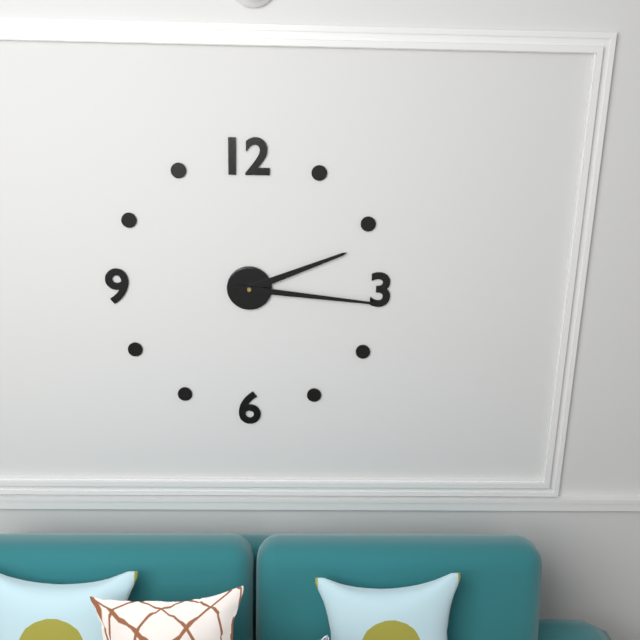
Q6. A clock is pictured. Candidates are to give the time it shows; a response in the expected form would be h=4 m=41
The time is h=2 m=16
